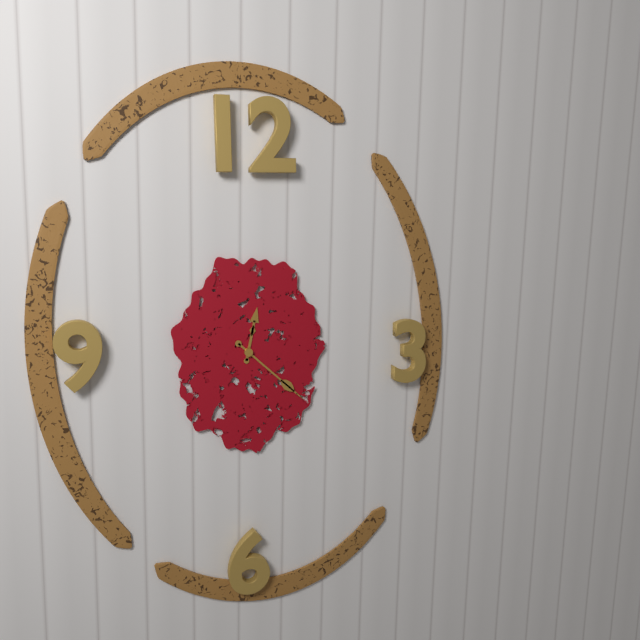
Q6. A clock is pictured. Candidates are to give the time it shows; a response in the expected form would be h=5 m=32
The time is h=12 m=22
